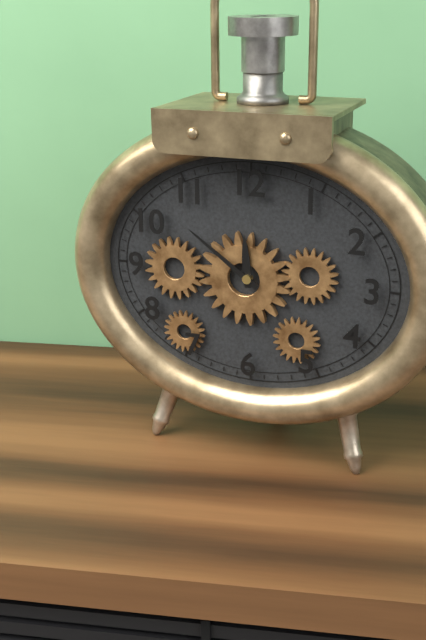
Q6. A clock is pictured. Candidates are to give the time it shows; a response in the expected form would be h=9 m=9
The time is h=11 m=51
